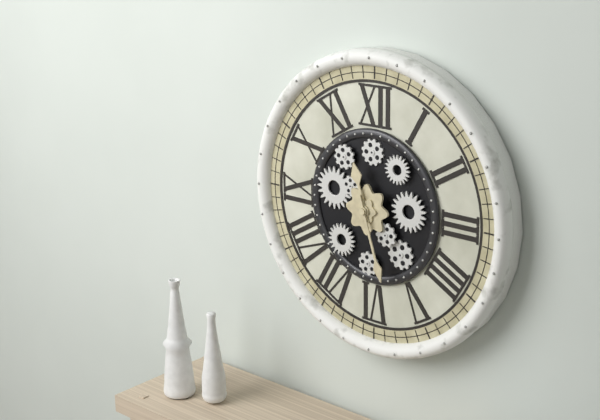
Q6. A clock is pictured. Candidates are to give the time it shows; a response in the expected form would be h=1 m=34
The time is h=11 m=27
